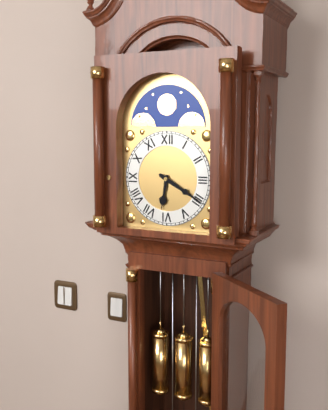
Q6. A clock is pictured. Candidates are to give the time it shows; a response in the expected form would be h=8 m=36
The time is h=6 m=20
